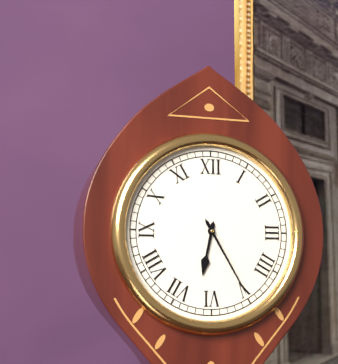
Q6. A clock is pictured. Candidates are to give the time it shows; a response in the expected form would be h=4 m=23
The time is h=6 m=25
